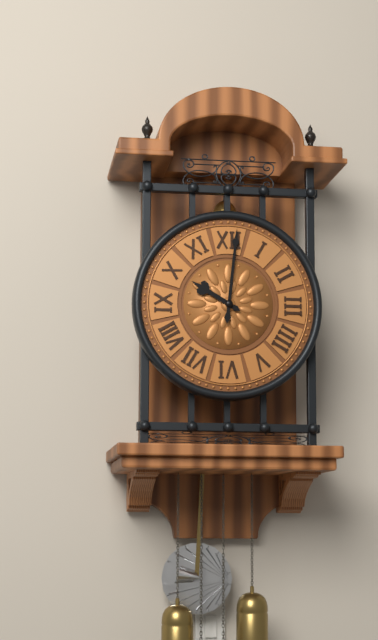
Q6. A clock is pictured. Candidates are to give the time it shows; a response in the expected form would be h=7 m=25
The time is h=10 m=1
